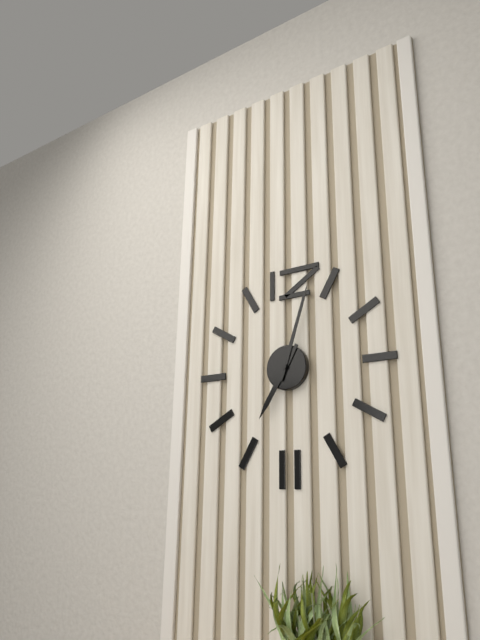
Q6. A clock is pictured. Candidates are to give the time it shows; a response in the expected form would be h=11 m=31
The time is h=7 m=3
